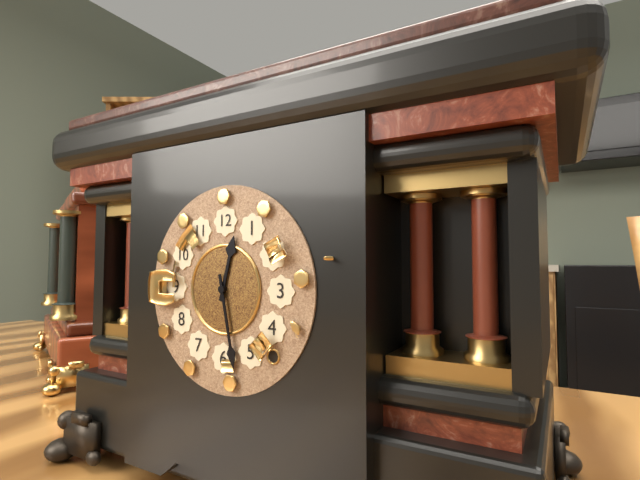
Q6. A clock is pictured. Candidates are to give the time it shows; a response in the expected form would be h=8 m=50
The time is h=12 m=28
